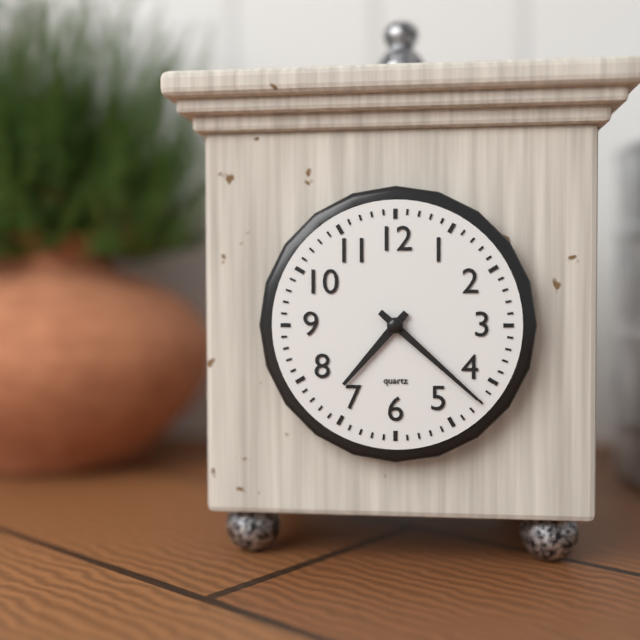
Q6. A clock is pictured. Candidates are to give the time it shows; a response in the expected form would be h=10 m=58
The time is h=7 m=22
